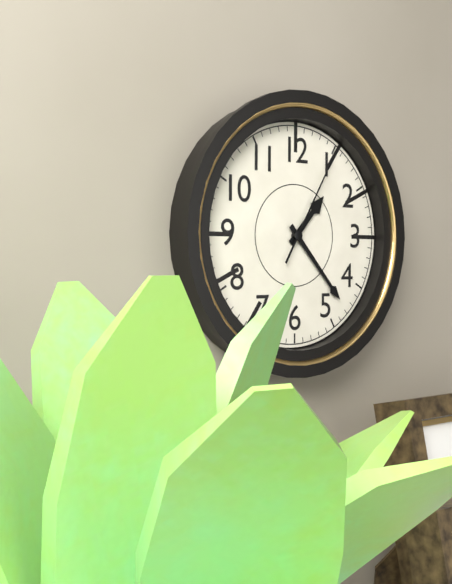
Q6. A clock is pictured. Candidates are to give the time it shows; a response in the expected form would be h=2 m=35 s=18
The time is h=1 m=23 s=5
